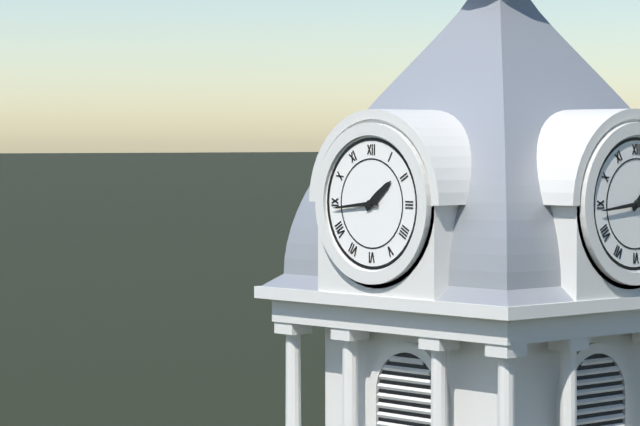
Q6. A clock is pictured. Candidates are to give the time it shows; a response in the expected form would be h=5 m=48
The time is h=1 m=44
